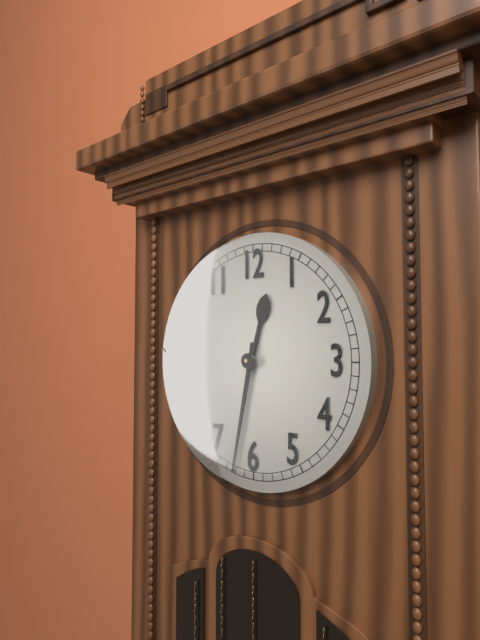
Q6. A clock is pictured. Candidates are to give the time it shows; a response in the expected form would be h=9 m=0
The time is h=12 m=32
